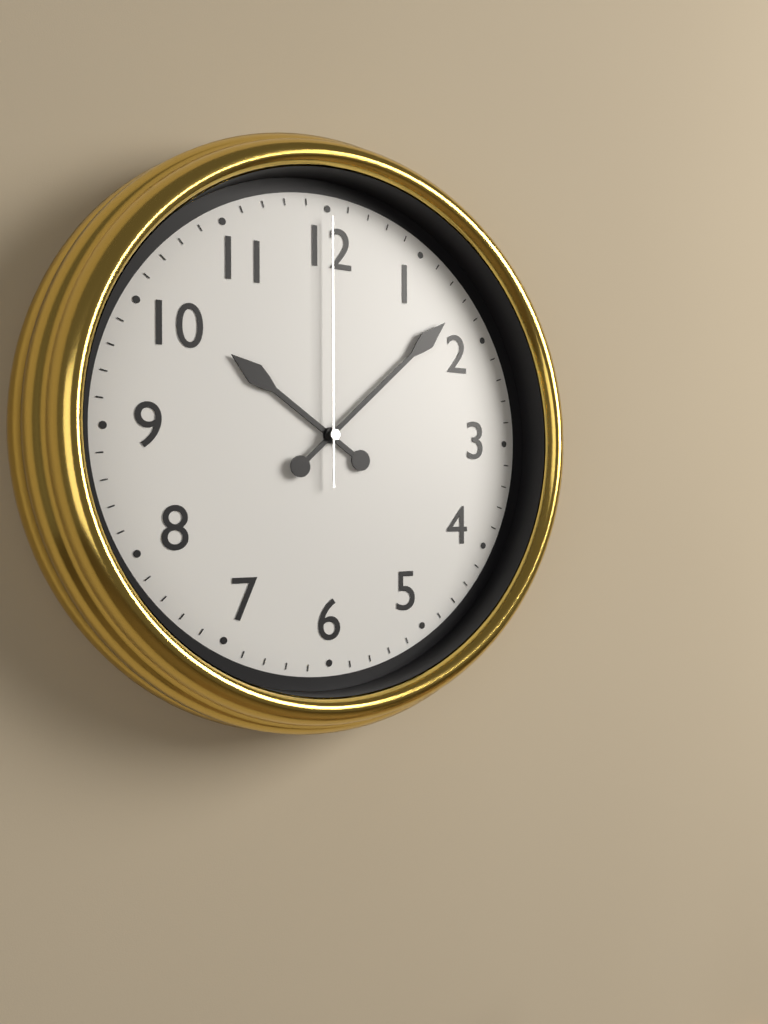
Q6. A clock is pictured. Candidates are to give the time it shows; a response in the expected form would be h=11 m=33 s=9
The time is h=10 m=8 s=0
